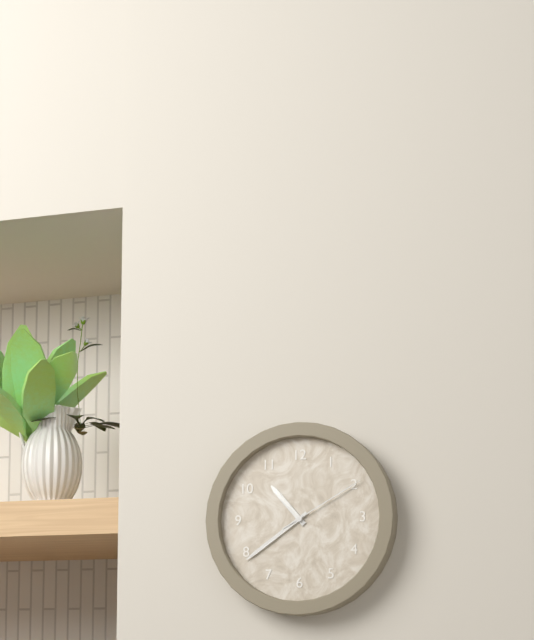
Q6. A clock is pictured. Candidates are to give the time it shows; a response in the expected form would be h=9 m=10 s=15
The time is h=10 m=39 s=10
